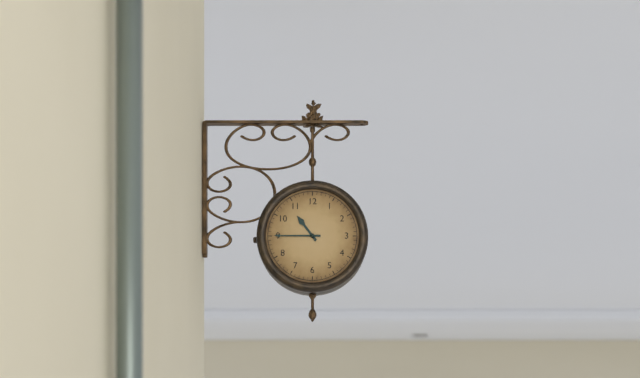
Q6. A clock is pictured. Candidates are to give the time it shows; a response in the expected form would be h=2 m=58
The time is h=10 m=45
